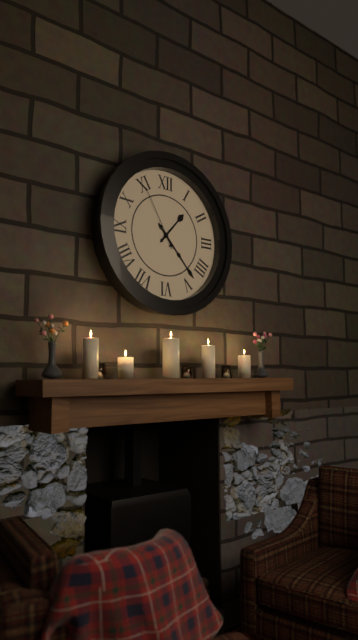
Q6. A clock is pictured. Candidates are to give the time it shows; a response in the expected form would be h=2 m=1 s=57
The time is h=1 m=23 s=55
